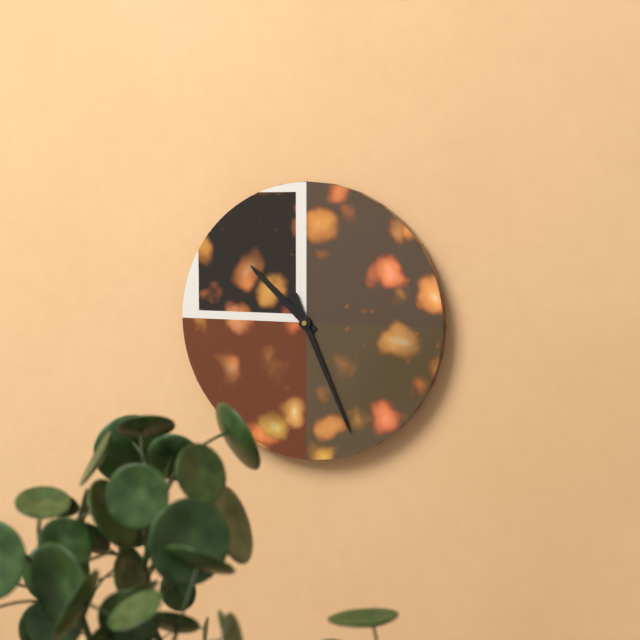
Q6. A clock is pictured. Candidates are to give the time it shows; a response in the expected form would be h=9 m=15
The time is h=10 m=26
